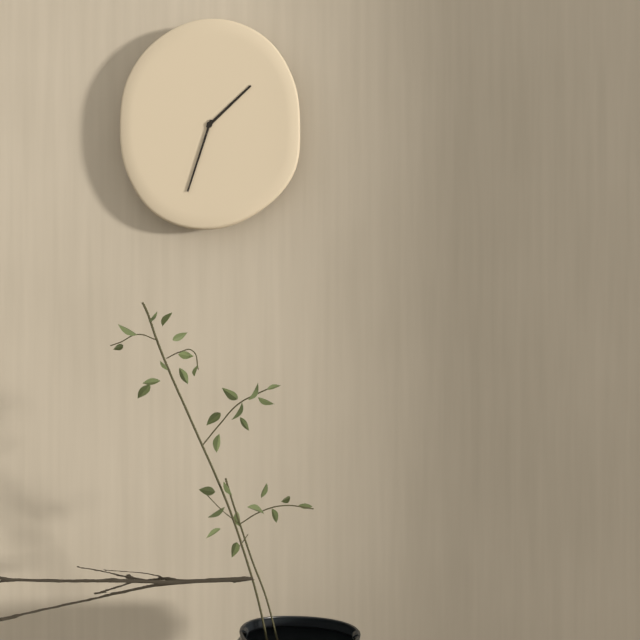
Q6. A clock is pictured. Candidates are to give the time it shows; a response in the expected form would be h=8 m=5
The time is h=1 m=33
